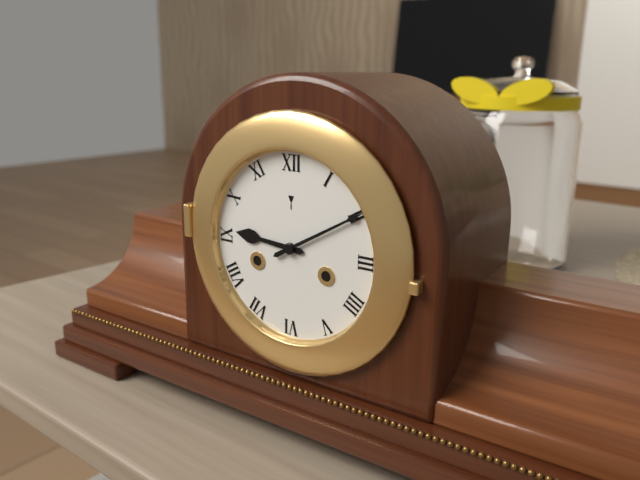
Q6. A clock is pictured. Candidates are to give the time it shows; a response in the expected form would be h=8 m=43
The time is h=9 m=10
